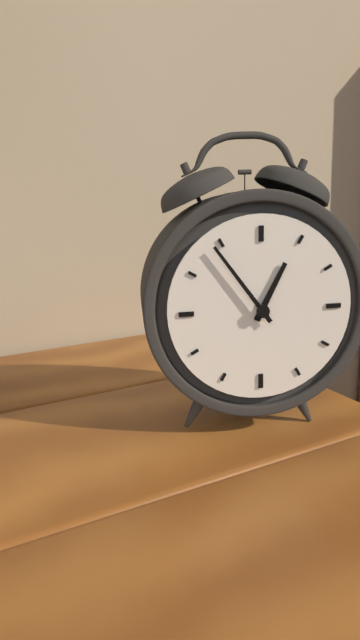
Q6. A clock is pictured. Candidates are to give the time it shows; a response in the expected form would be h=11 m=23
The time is h=12 m=54
